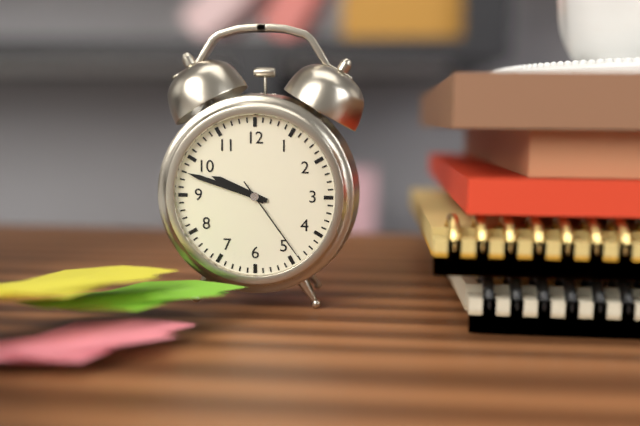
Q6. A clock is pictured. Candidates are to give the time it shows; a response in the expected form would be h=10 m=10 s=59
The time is h=9 m=48 s=24
